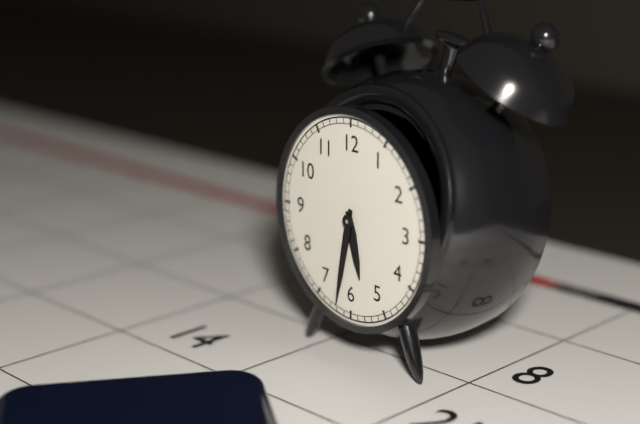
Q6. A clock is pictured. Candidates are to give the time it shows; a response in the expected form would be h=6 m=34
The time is h=5 m=32
